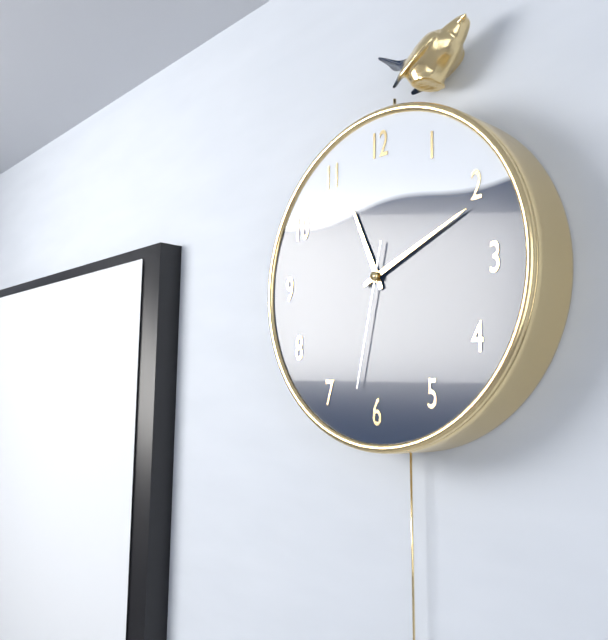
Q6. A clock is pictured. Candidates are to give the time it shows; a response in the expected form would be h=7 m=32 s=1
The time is h=11 m=11 s=32
